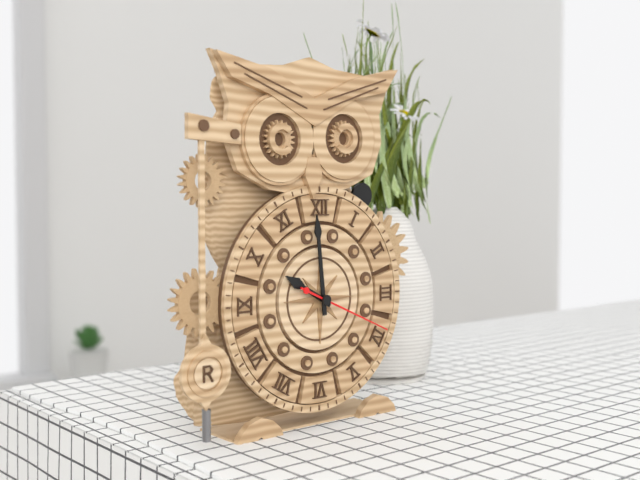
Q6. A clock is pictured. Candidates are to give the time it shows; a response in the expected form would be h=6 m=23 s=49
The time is h=9 m=59 s=19
